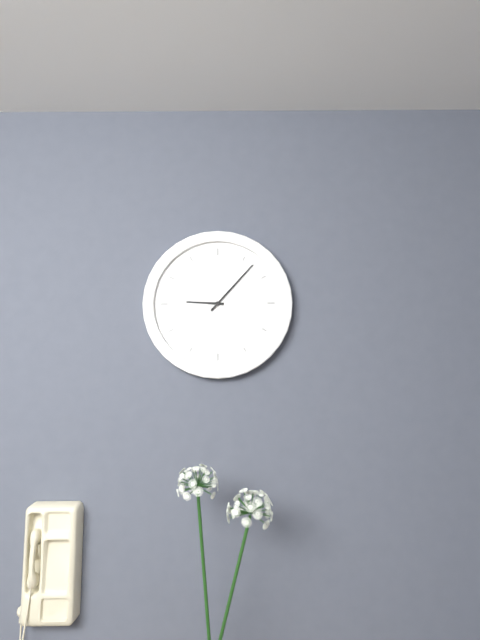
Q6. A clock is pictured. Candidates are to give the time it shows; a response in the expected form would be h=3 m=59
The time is h=9 m=7
